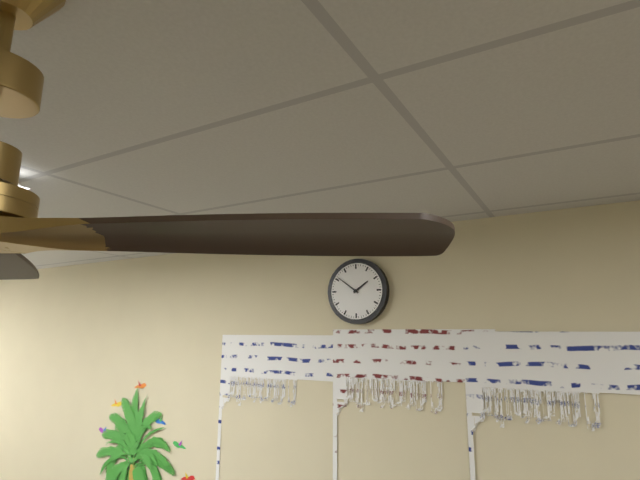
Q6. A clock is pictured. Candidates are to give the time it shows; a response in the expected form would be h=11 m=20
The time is h=1 m=51
